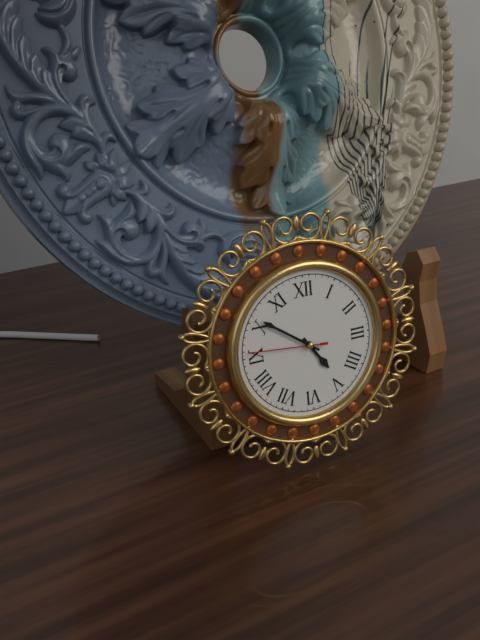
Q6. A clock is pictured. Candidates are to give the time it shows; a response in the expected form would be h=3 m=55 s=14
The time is h=4 m=51 s=46
